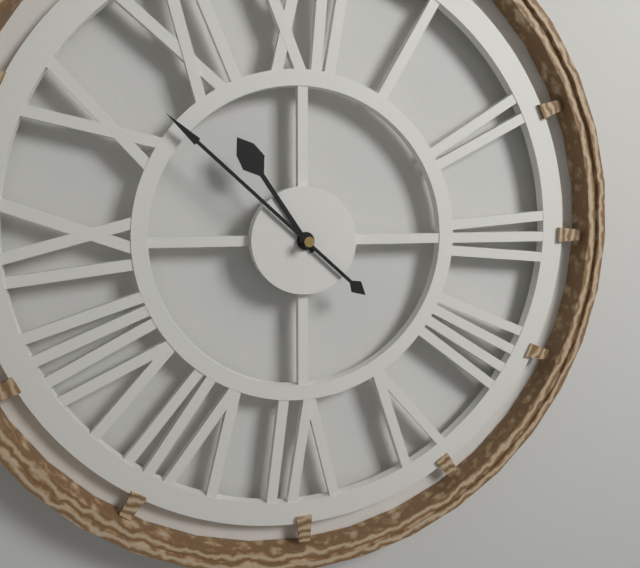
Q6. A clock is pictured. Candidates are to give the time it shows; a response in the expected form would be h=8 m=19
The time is h=10 m=52
